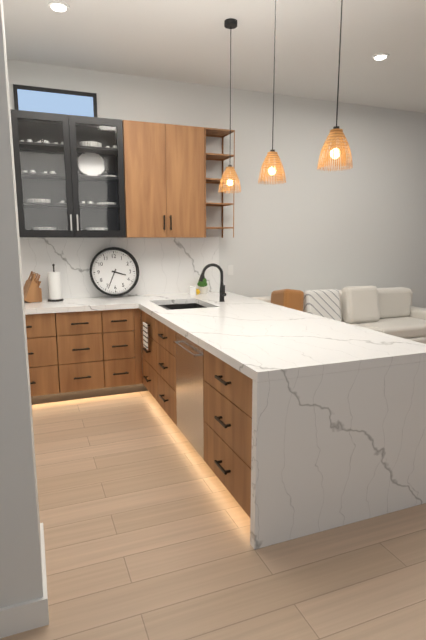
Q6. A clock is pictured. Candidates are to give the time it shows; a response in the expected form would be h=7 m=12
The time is h=3 m=34
